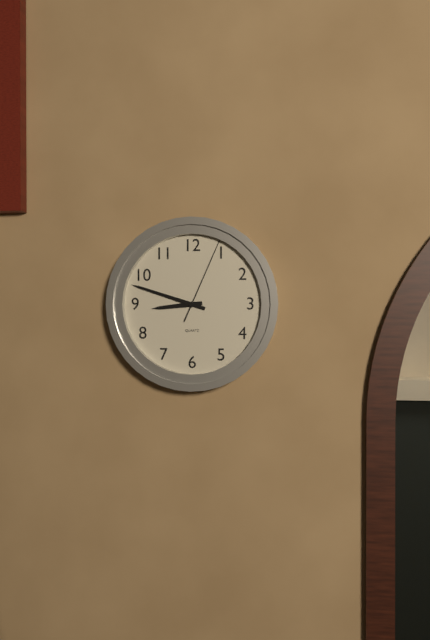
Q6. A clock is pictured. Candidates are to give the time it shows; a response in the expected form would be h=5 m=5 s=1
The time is h=8 m=48 s=4
